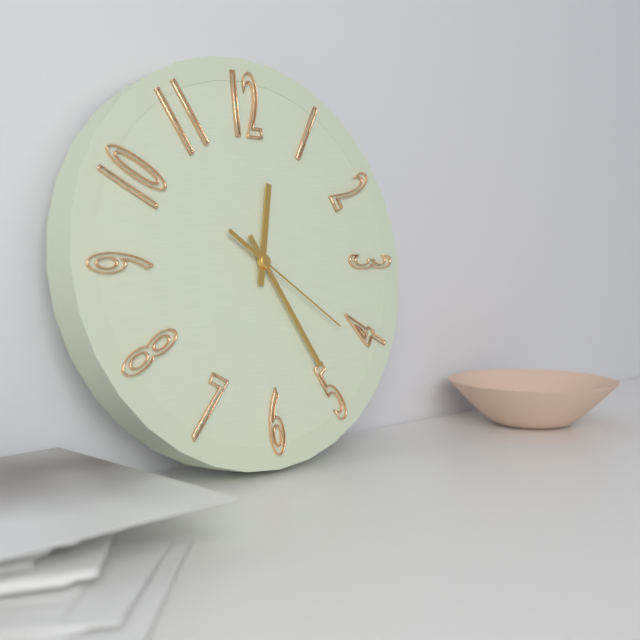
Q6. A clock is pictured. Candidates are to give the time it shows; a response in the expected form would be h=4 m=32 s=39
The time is h=12 m=25 s=21
